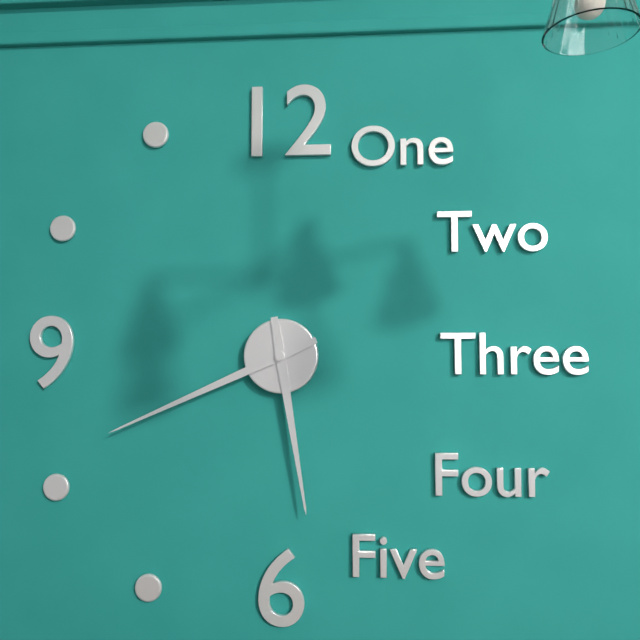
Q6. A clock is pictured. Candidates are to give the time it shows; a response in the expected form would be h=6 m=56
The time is h=5 m=41
